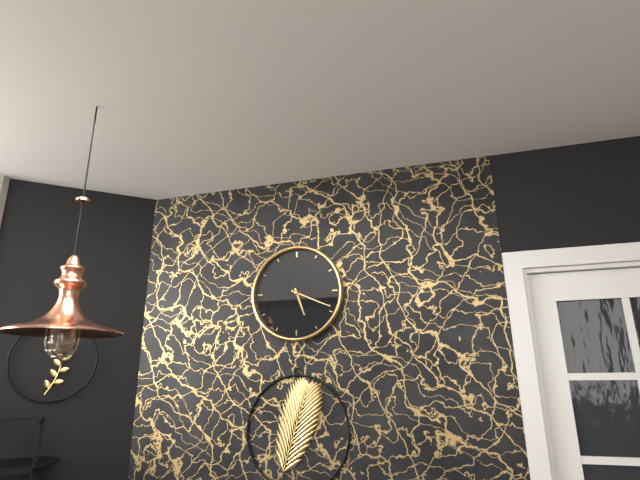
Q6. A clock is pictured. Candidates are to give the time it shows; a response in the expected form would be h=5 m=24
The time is h=5 m=19
